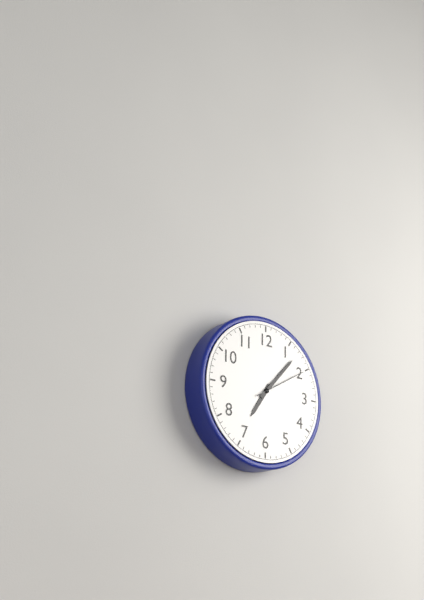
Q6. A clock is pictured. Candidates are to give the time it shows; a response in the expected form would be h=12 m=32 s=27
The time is h=7 m=7 s=10
